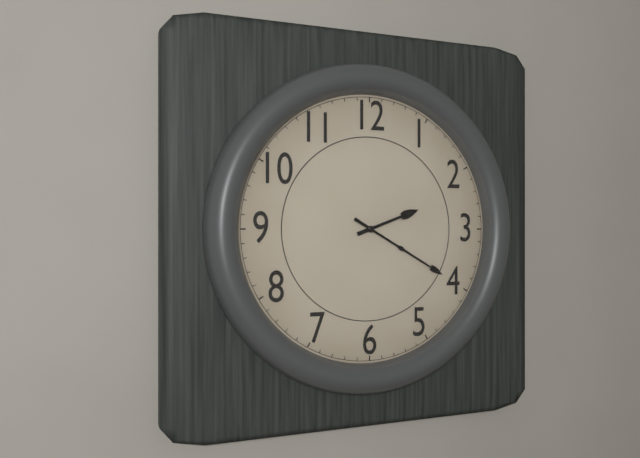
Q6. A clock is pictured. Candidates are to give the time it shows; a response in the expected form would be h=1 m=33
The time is h=2 m=20
